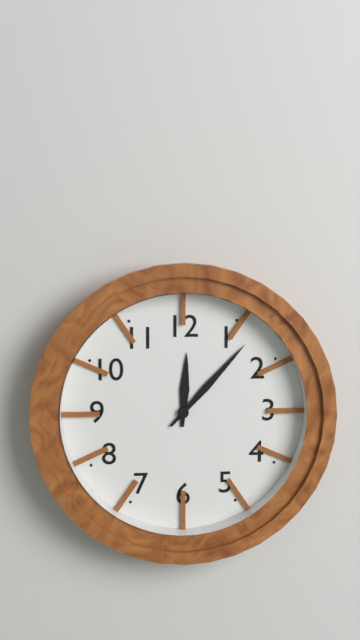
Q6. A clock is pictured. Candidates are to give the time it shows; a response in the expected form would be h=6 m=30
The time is h=12 m=7
